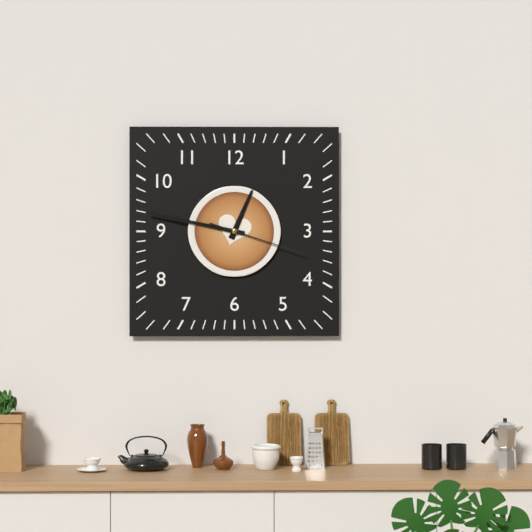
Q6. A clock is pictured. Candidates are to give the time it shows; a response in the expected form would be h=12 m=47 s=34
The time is h=12 m=47 s=18
